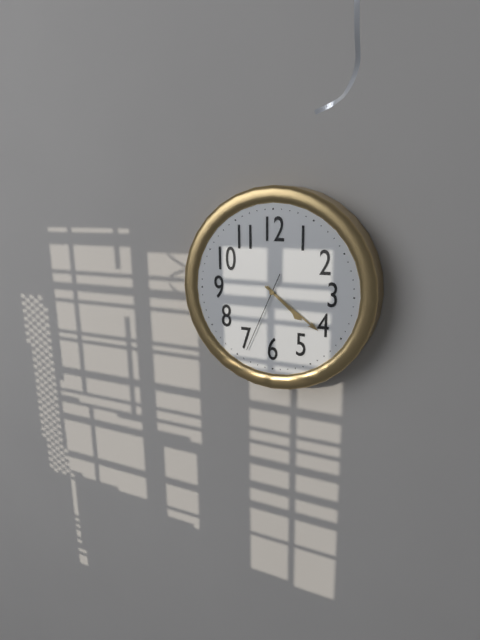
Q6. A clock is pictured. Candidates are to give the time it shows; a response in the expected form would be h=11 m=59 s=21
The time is h=4 m=21 s=34
